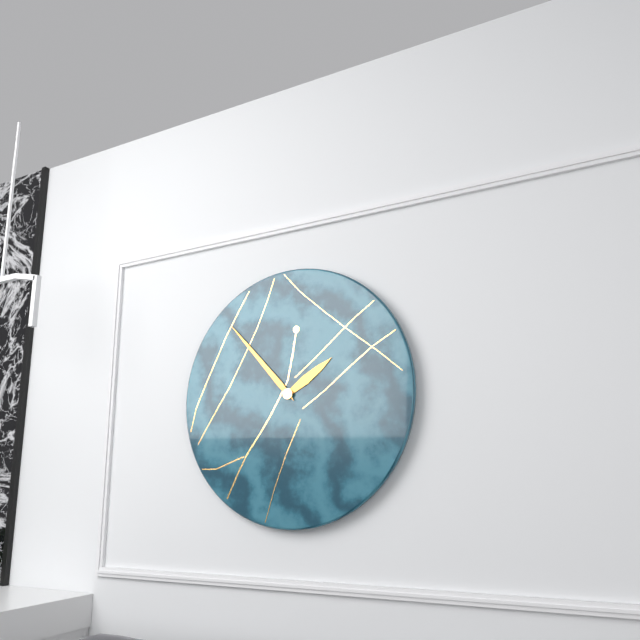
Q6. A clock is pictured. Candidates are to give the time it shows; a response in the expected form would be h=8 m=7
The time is h=1 m=53
